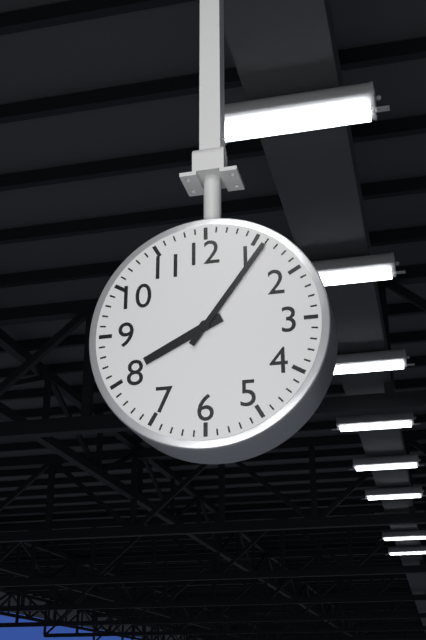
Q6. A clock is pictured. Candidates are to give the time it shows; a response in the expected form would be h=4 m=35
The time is h=8 m=6
